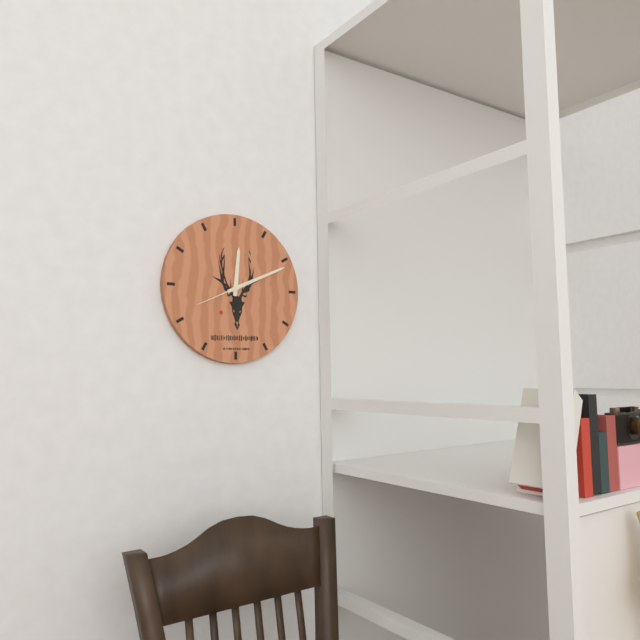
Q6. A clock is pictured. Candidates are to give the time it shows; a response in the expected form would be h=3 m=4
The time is h=12 m=11
